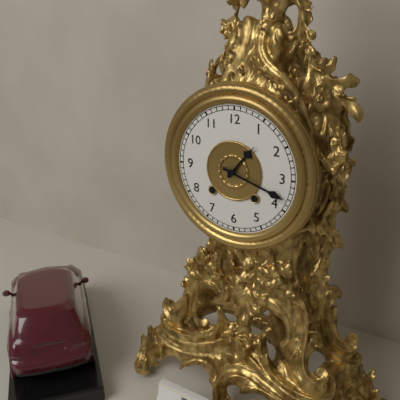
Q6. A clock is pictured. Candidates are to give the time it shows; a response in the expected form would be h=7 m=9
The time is h=1 m=18
